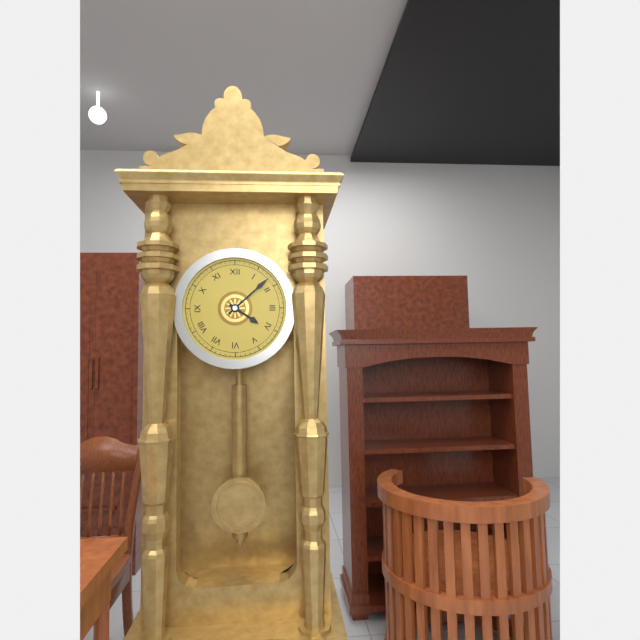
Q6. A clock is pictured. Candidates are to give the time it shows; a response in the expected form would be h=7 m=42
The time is h=4 m=8
